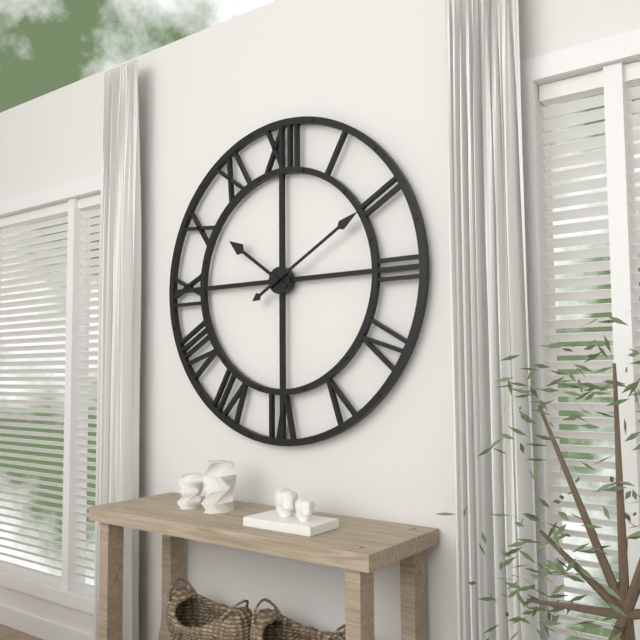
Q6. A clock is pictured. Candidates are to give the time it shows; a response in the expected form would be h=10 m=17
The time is h=10 m=10
